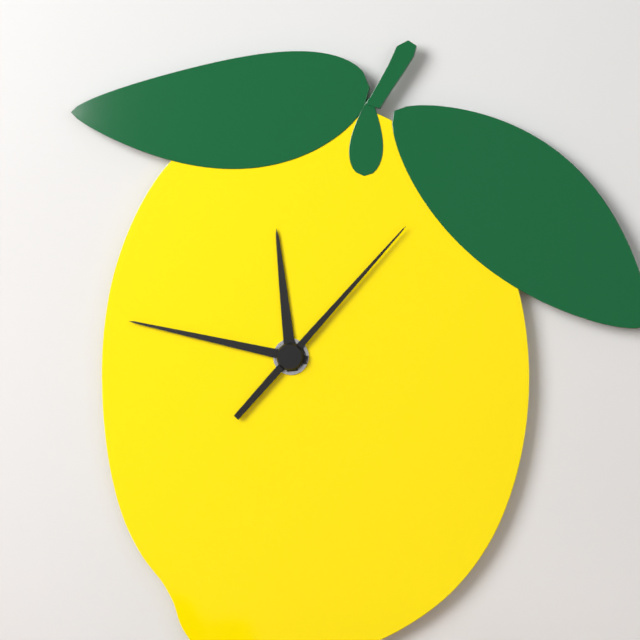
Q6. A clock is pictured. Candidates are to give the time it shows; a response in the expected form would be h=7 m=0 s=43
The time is h=11 m=47 s=7
